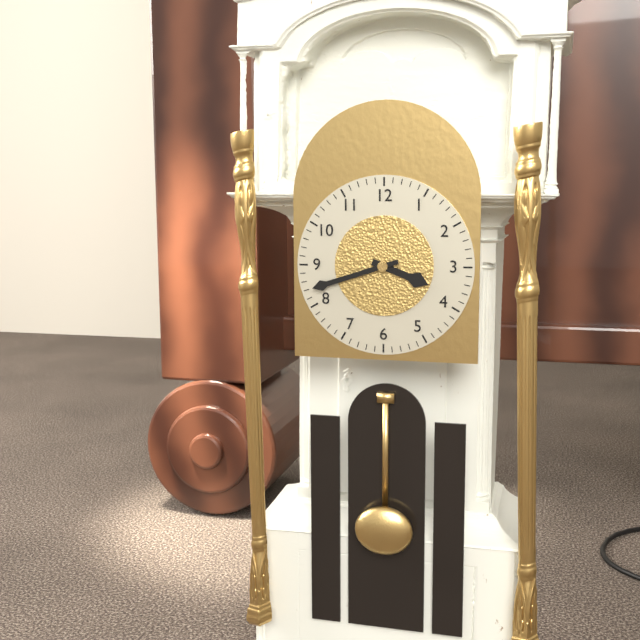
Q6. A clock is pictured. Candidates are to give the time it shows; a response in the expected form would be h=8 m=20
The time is h=3 m=42
